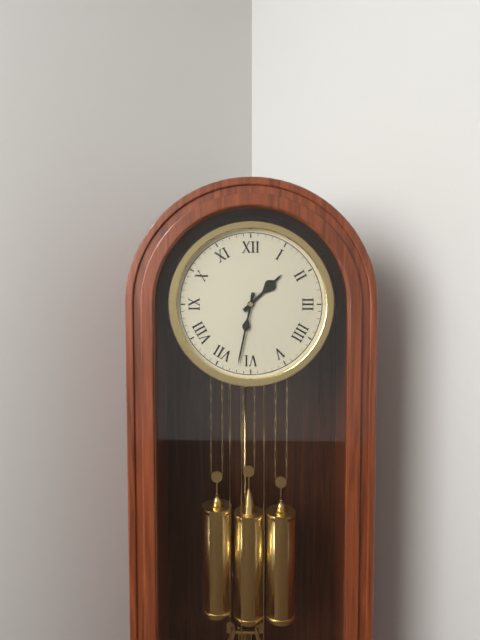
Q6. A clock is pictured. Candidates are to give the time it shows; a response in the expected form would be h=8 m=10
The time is h=1 m=32
